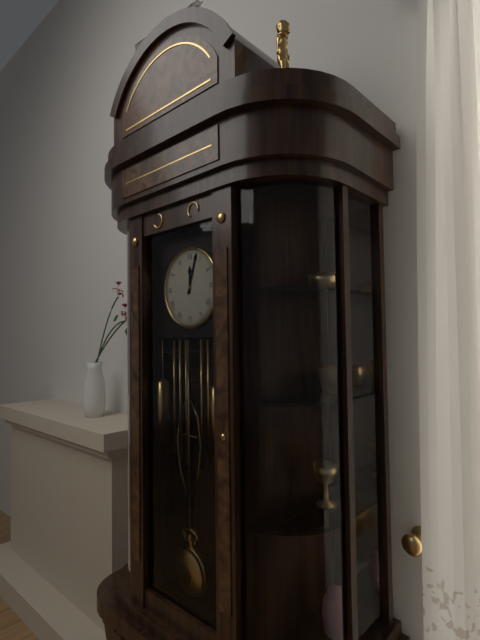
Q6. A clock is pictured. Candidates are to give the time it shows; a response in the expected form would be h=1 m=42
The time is h=12 m=3
